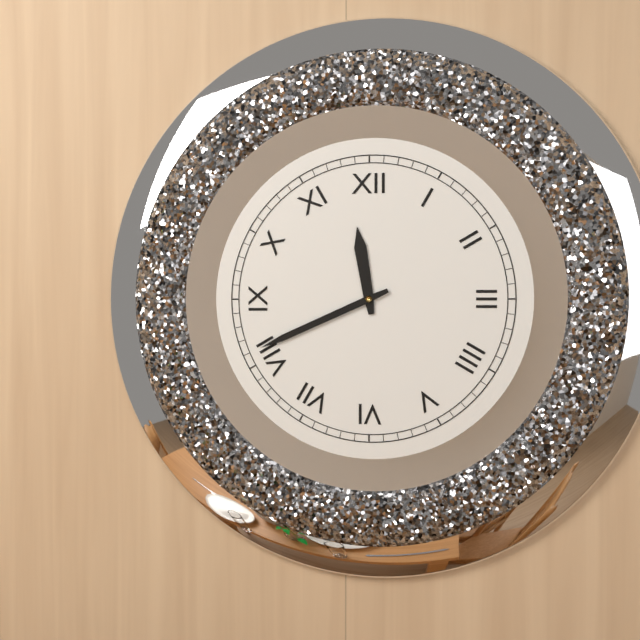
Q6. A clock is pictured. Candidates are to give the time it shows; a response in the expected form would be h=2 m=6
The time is h=11 m=41
